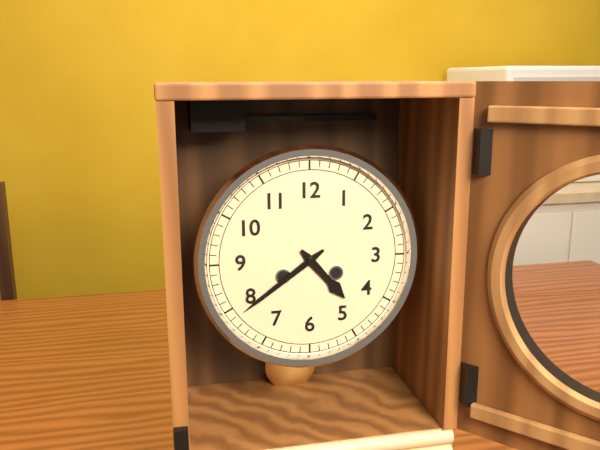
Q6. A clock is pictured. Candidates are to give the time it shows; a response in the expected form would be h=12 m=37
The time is h=4 m=39
